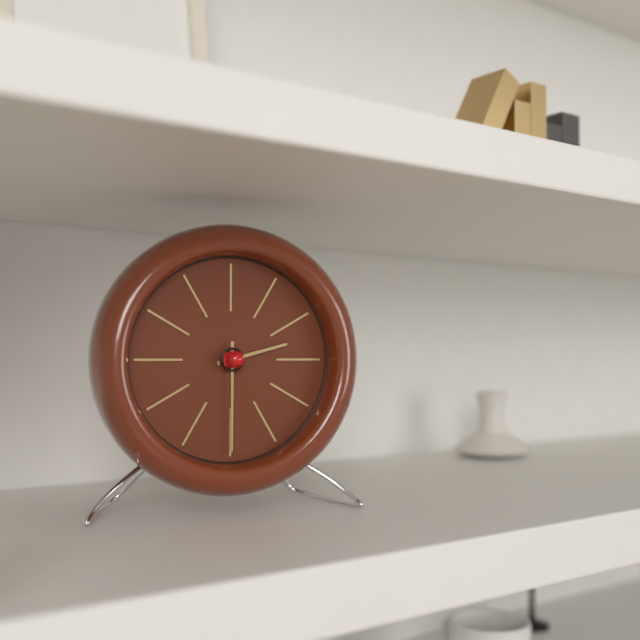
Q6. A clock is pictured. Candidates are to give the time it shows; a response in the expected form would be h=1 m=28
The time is h=2 m=30
